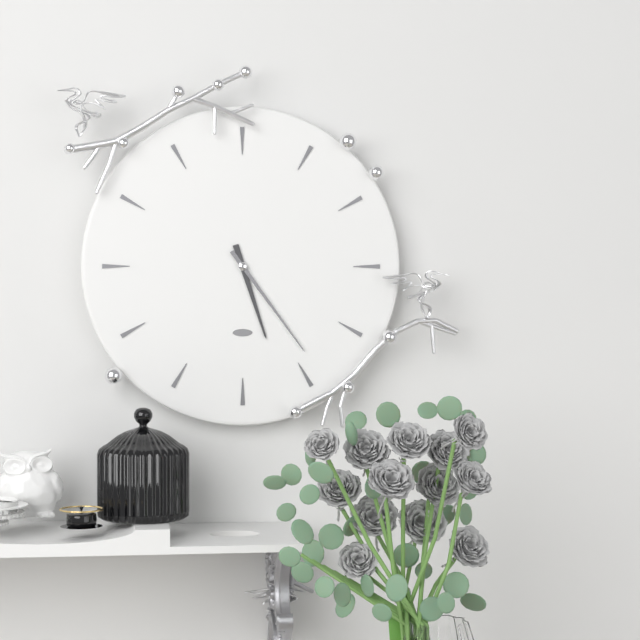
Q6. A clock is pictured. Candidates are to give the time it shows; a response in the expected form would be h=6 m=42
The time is h=5 m=24
